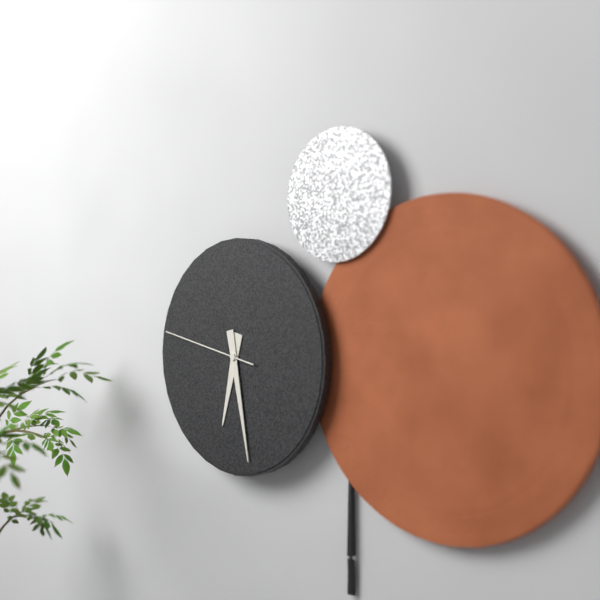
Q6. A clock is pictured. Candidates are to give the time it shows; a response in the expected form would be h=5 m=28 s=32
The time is h=6 m=28 s=47
